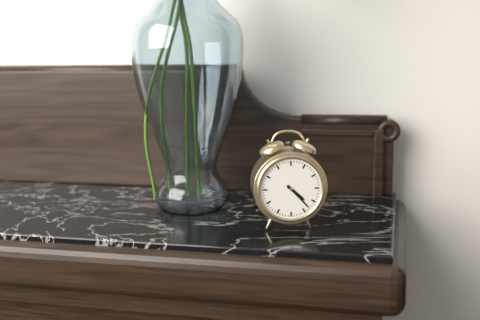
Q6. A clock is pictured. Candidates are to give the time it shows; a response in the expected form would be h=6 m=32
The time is h=4 m=23
